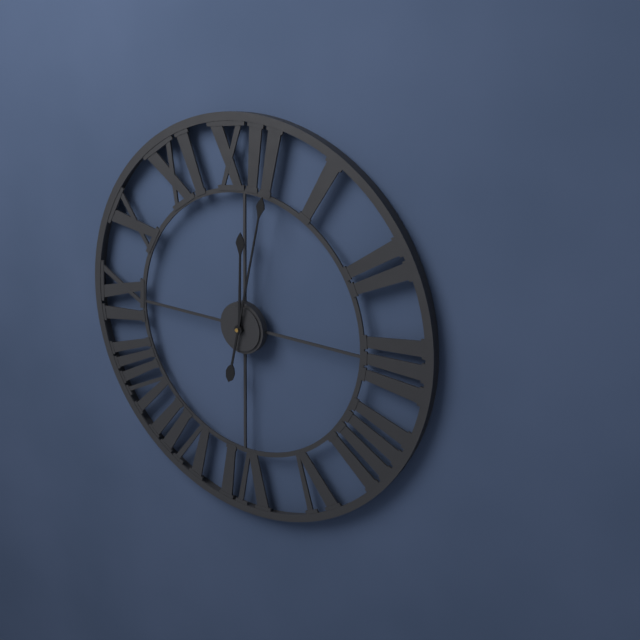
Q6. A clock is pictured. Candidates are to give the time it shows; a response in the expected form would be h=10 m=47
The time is h=12 m=2
